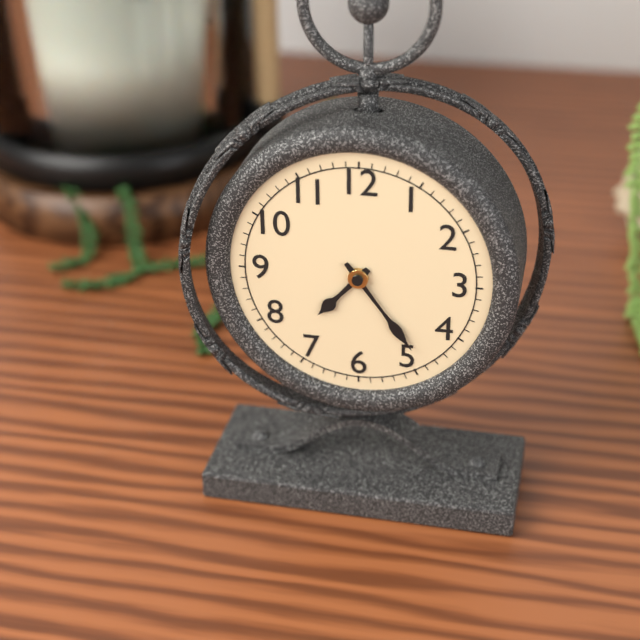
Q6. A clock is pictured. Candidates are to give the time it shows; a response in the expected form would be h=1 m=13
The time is h=7 m=24
